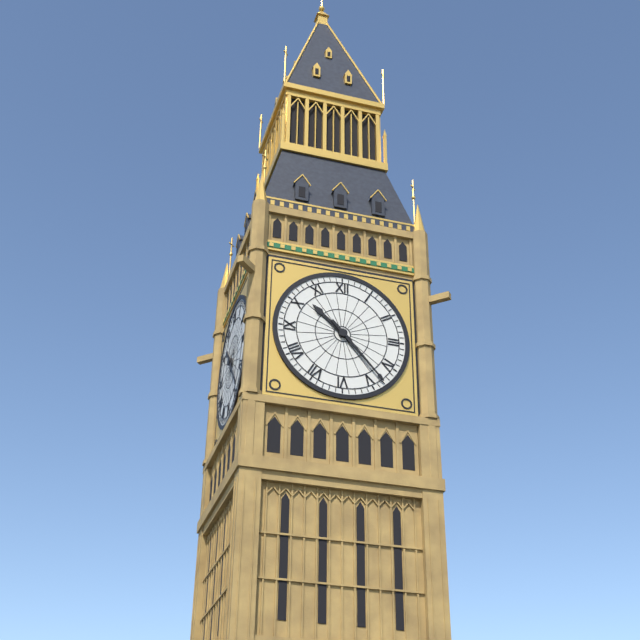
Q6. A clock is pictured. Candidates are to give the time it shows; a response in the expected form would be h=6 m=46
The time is h=10 m=23
